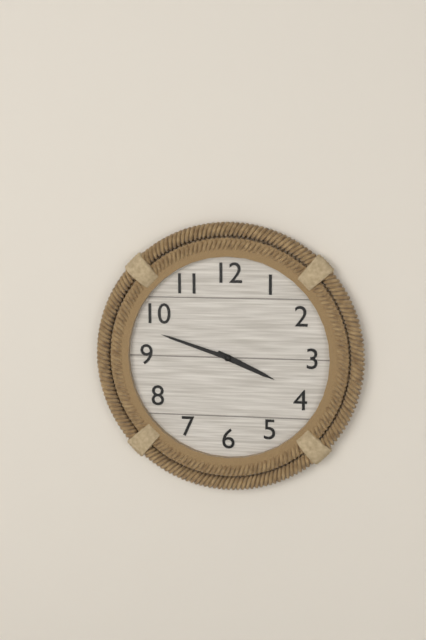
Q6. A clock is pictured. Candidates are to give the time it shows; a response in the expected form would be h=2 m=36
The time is h=3 m=48
